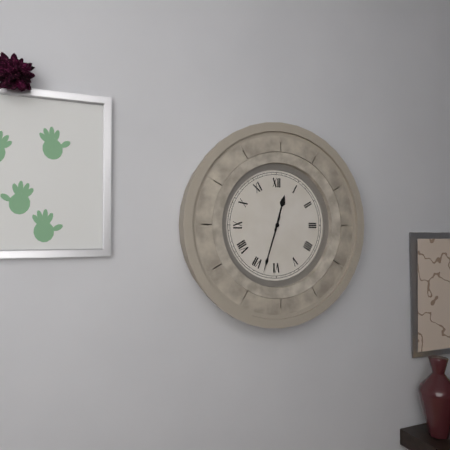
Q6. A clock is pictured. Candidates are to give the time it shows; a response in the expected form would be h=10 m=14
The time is h=12 m=33
